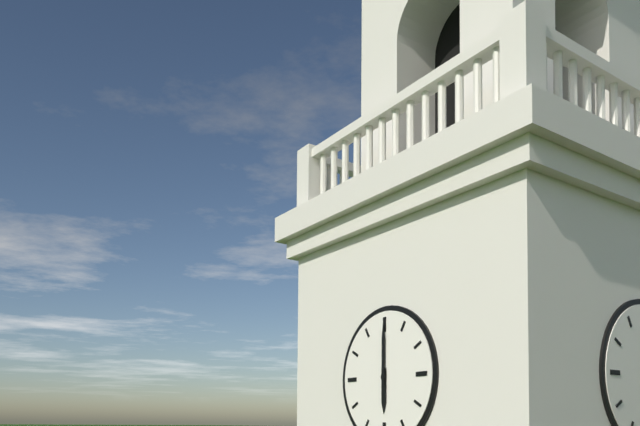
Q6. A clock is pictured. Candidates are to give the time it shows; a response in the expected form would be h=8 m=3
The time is h=6 m=0
